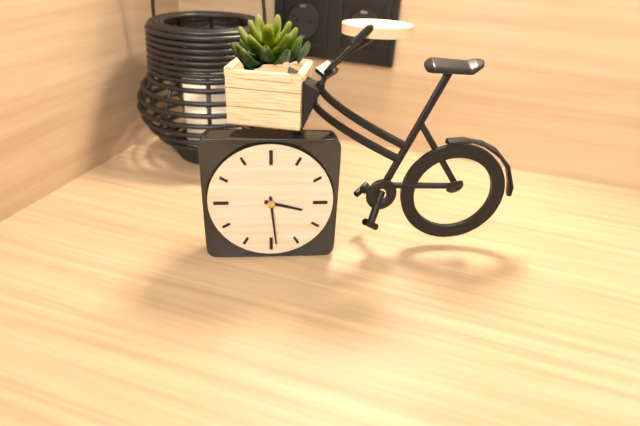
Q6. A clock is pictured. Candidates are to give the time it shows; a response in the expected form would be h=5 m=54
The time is h=3 m=29
